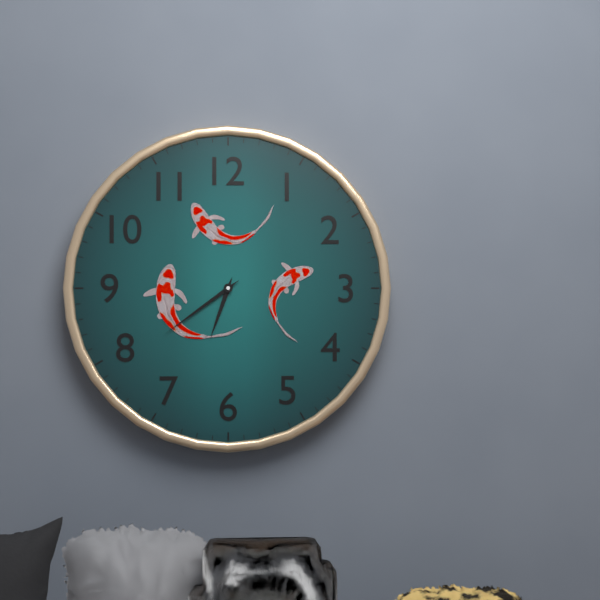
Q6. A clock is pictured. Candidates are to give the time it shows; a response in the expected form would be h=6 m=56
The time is h=6 m=39
